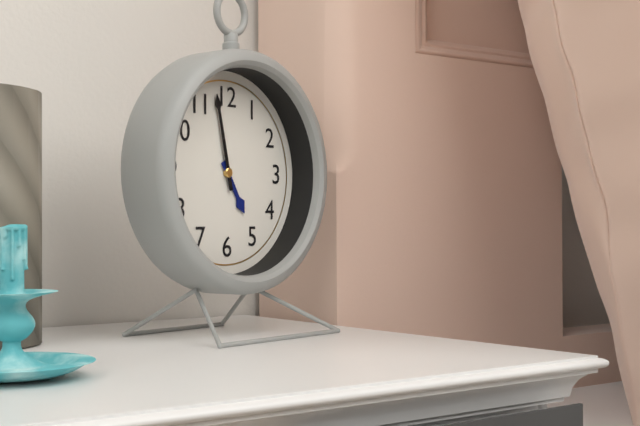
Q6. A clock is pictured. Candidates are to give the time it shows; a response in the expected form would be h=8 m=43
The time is h=4 m=58
